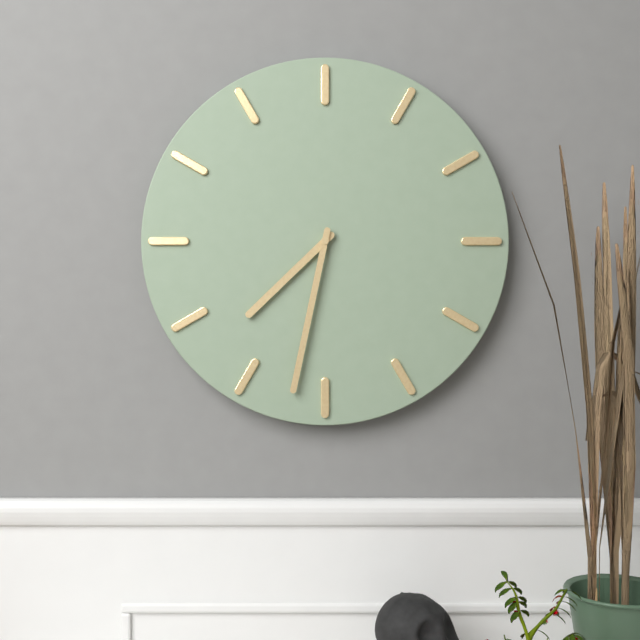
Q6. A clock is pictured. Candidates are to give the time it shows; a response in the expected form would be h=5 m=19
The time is h=7 m=32
